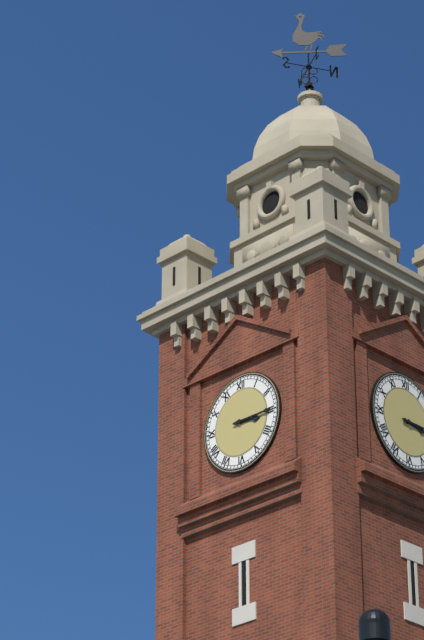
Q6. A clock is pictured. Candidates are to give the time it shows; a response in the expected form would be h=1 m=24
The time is h=3 m=15
